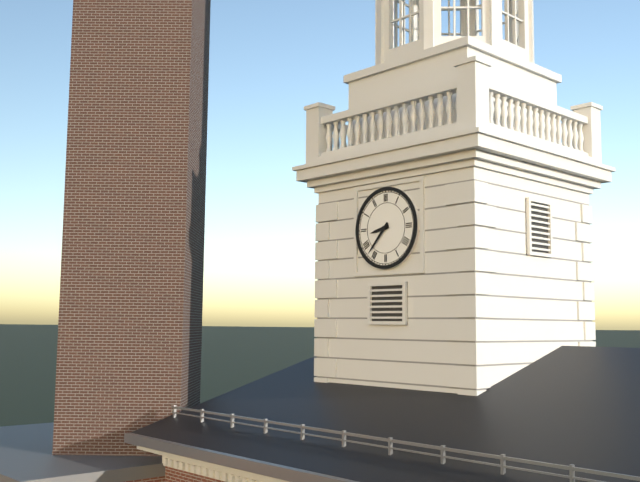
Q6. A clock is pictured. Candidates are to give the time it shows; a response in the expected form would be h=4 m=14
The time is h=8 m=37
